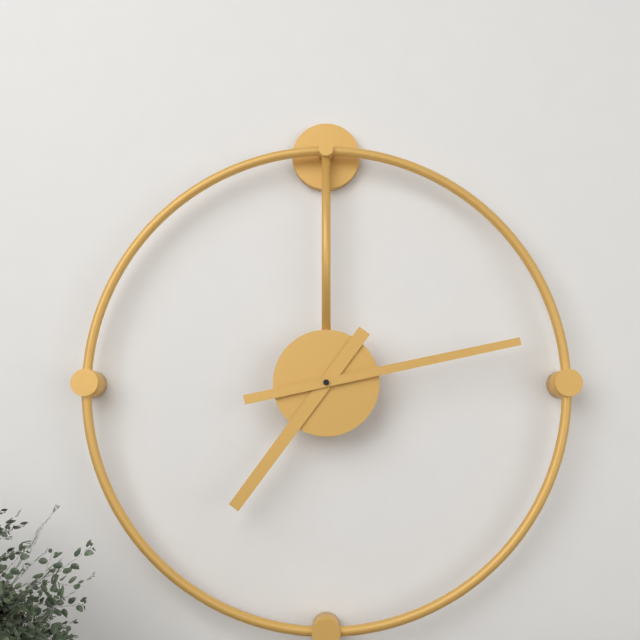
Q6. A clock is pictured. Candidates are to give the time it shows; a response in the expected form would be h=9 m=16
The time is h=7 m=13
